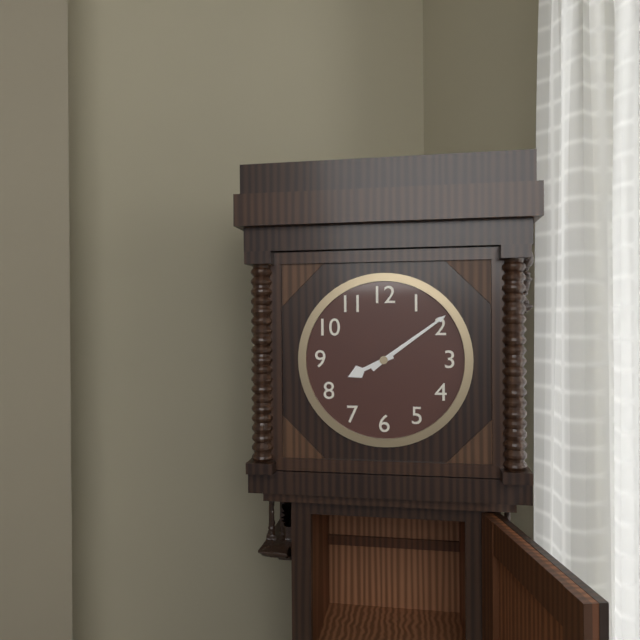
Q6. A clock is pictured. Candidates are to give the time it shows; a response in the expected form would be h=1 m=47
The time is h=8 m=9
